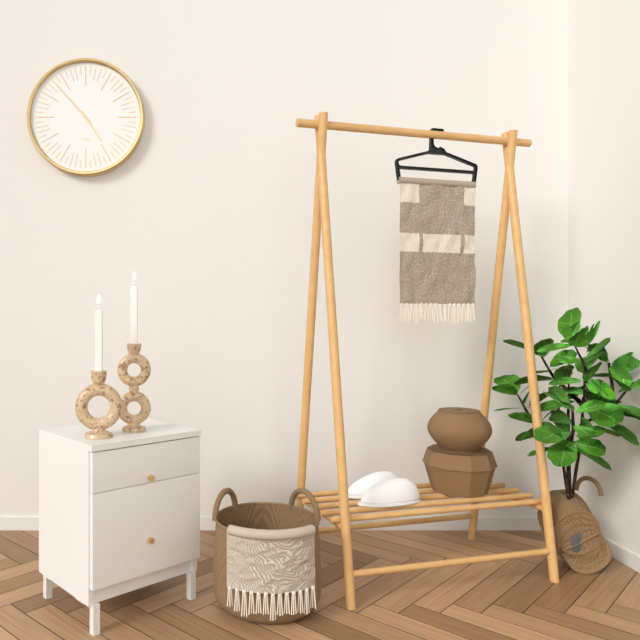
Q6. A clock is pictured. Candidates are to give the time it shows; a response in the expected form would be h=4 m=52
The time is h=4 m=53
